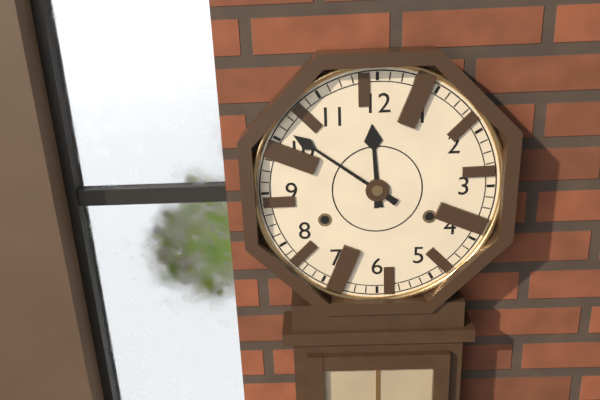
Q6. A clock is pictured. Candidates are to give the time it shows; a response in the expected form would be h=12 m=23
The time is h=11 m=51
